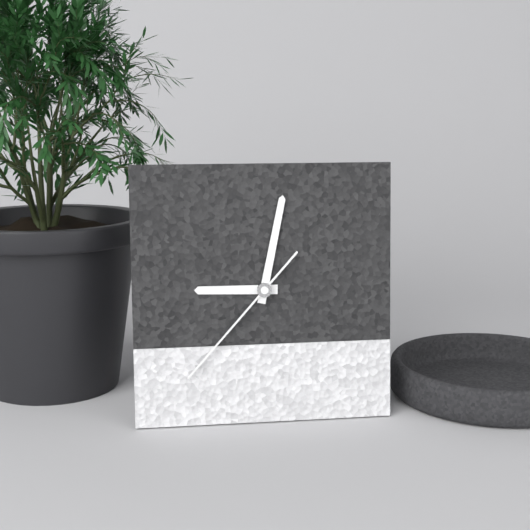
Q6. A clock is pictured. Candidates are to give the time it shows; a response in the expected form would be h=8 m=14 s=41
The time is h=9 m=2 s=37
